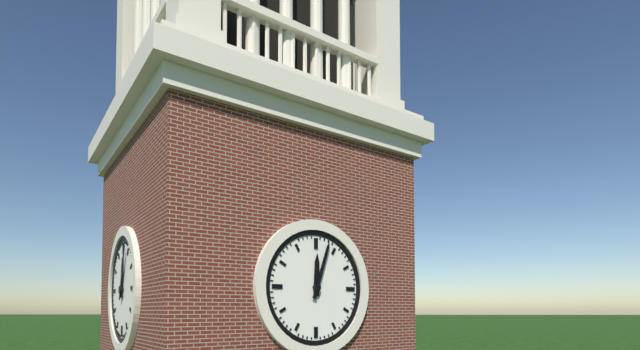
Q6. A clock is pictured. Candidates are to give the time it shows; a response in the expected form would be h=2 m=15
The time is h=12 m=3
